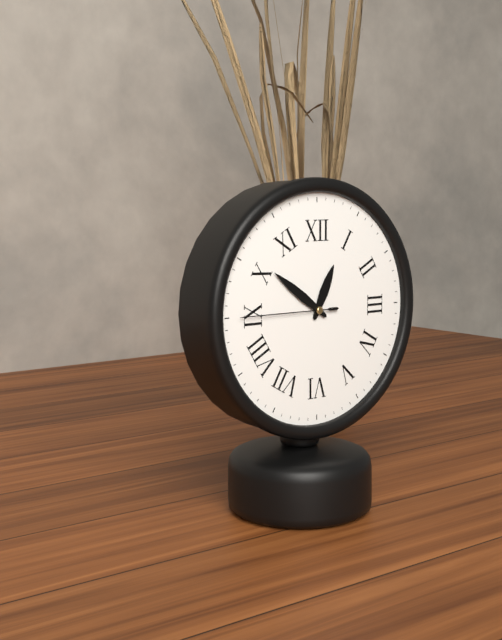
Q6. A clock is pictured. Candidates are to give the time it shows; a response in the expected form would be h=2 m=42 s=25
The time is h=12 m=51 s=45
